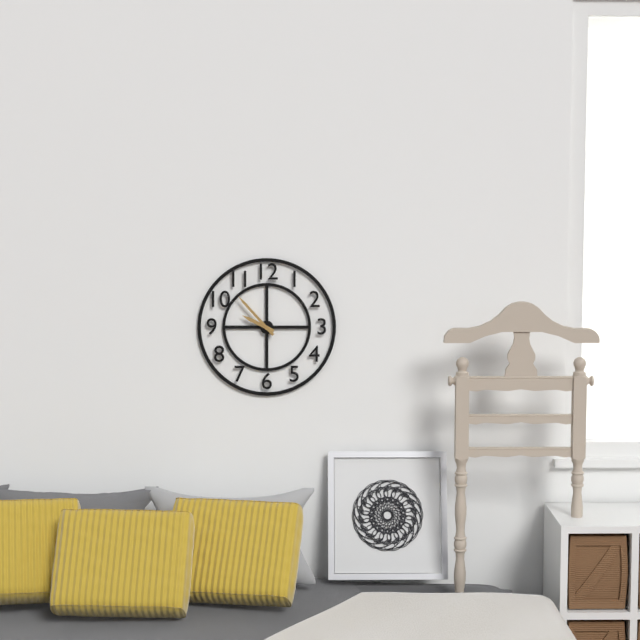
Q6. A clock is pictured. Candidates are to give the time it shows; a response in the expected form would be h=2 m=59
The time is h=9 m=53
